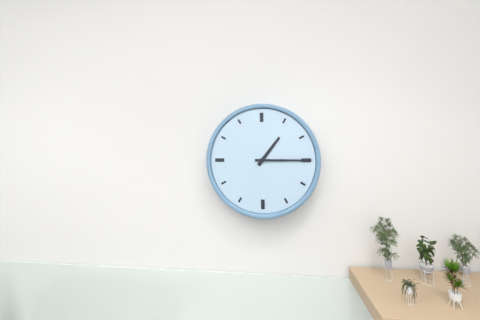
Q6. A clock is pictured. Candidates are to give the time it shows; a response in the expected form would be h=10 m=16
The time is h=1 m=15
